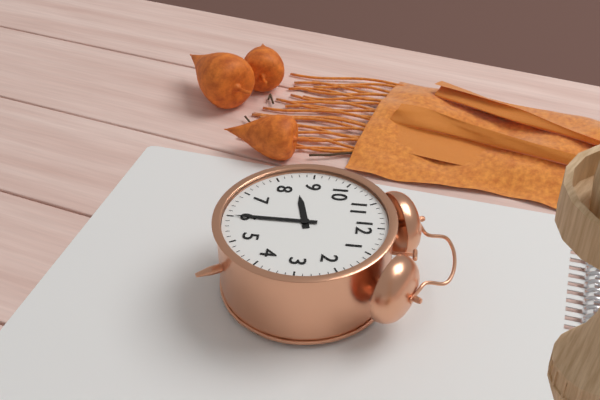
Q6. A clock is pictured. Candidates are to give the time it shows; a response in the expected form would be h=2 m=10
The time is h=8 m=30
